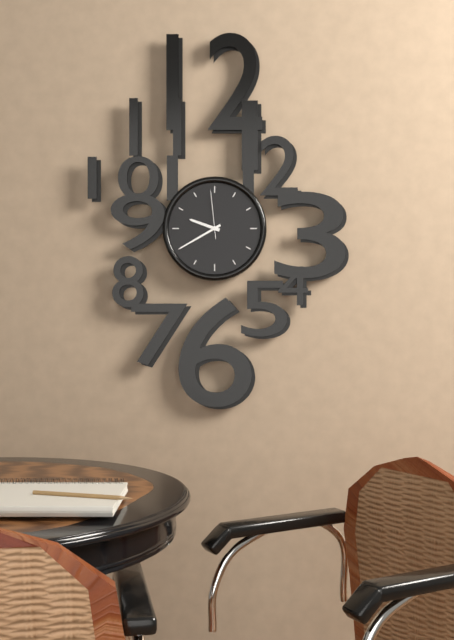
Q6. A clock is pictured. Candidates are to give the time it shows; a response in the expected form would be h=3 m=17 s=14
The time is h=9 m=40 s=59
